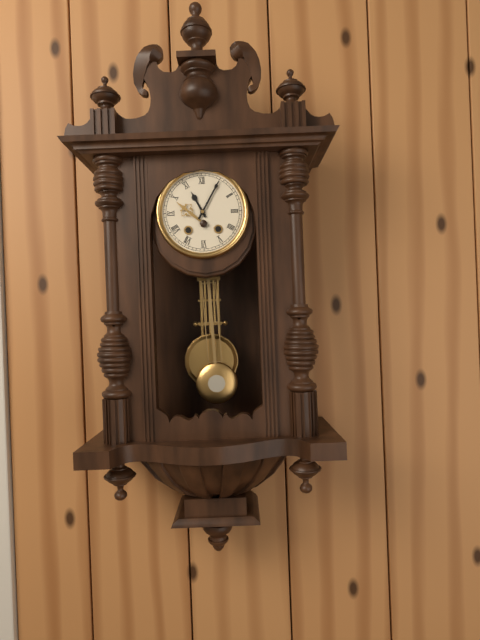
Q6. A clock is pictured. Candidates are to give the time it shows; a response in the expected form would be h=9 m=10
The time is h=11 m=5
